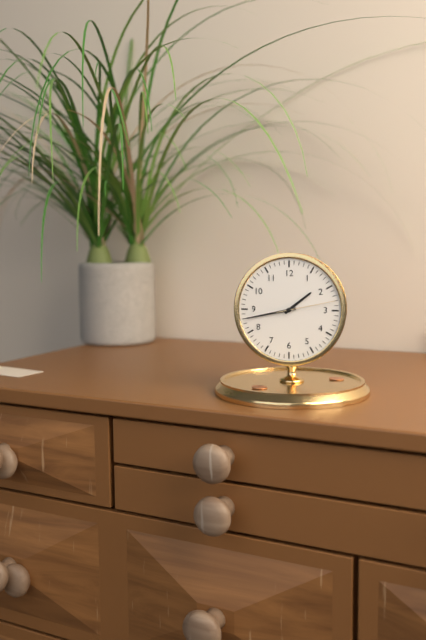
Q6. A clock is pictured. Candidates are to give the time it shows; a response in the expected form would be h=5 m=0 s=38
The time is h=1 m=43 s=13
